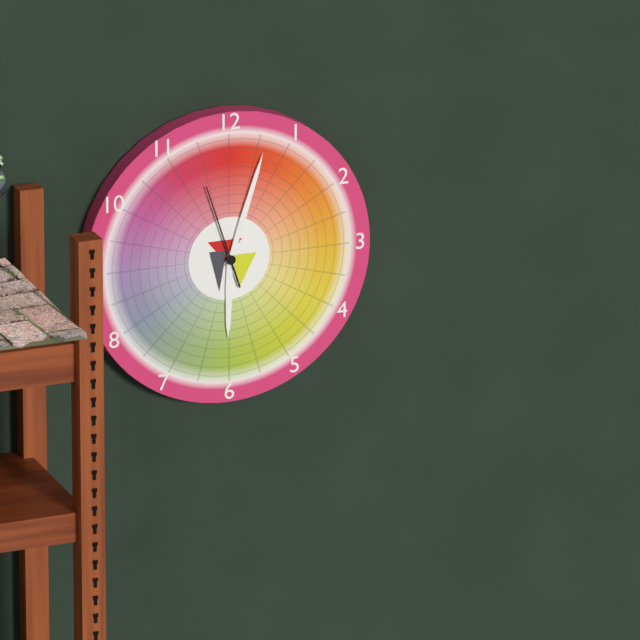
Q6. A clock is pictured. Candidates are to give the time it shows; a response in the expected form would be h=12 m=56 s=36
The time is h=6 m=3 s=57
